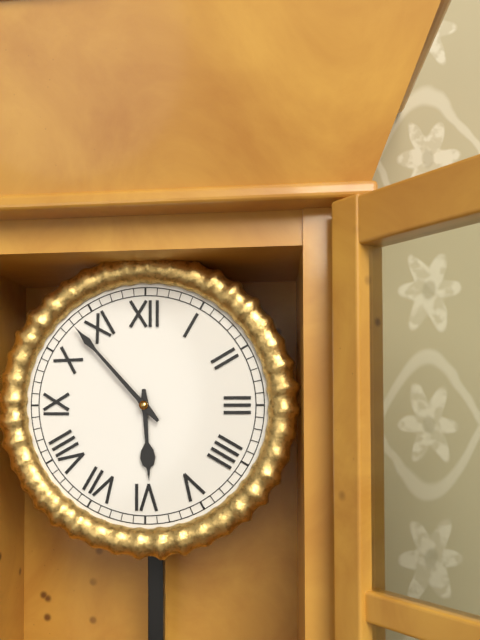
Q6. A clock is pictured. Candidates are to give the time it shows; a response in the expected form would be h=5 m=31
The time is h=5 m=53
